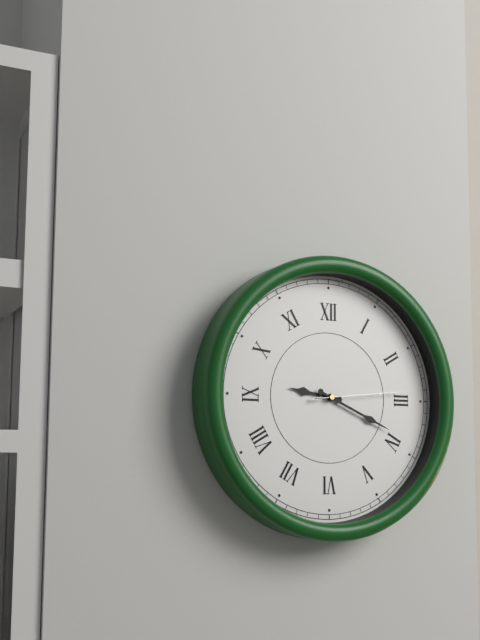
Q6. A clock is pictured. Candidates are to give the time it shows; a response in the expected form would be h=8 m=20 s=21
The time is h=9 m=19 s=14
